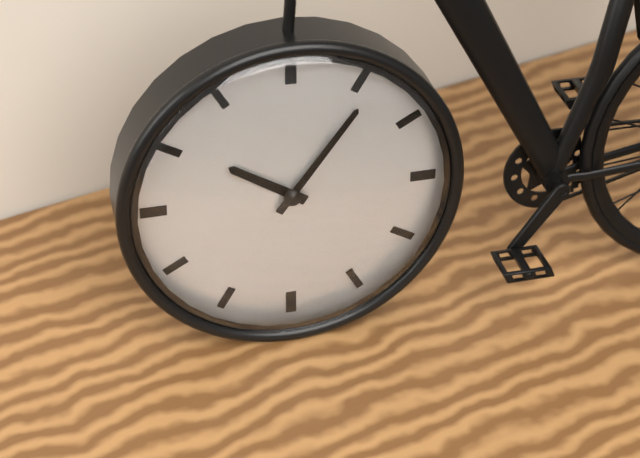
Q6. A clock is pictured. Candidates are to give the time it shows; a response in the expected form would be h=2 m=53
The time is h=10 m=6
